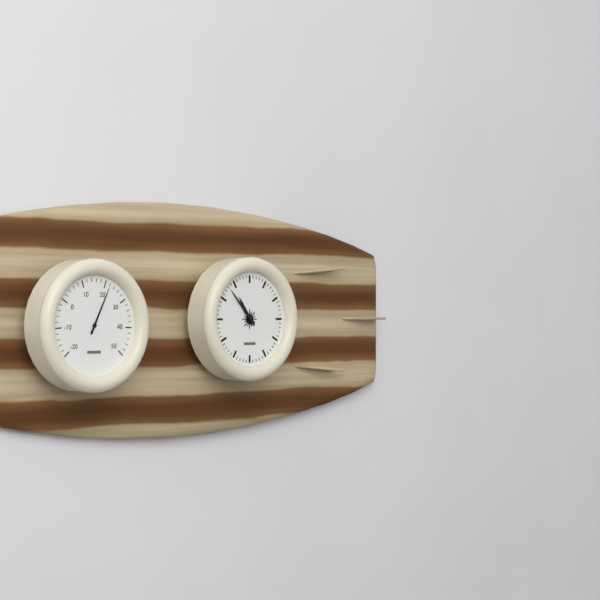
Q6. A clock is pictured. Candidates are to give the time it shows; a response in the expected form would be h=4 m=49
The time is h=10 m=53
